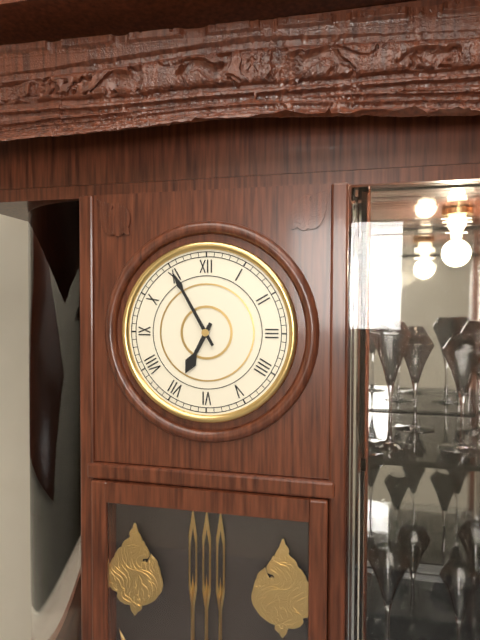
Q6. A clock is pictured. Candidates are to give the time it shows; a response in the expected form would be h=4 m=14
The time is h=6 m=55
